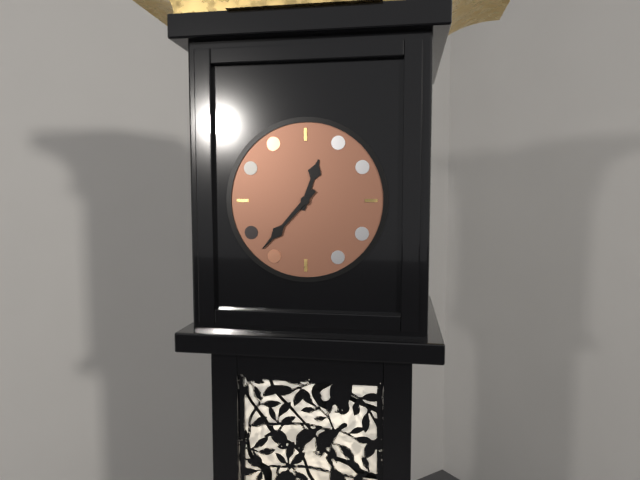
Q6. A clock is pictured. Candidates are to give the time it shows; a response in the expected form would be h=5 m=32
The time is h=12 m=37
